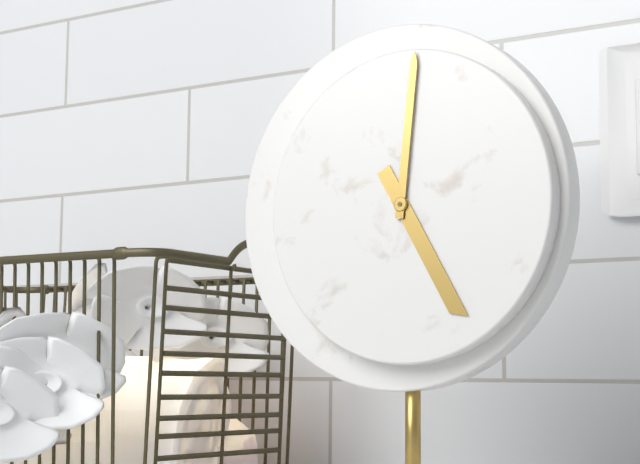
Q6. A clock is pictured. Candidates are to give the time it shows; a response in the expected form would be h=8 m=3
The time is h=5 m=1
